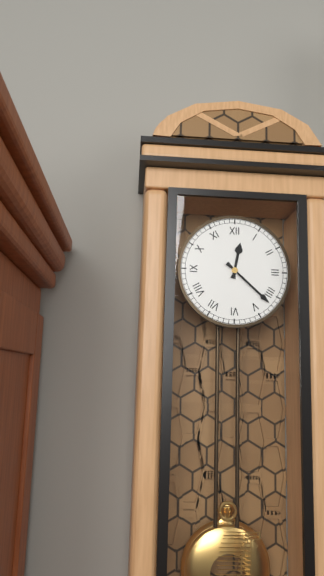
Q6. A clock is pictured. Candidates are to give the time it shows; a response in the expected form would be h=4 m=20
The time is h=12 m=22
